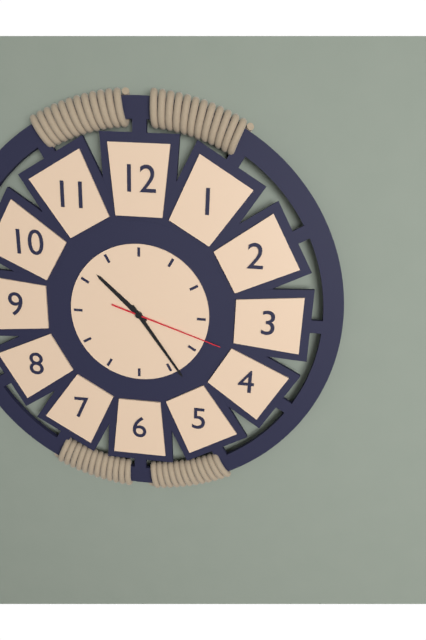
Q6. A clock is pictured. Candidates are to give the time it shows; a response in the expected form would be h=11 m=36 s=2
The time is h=10 m=24 s=18
